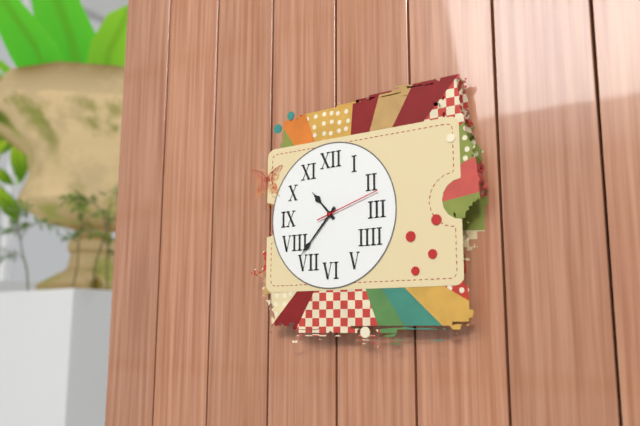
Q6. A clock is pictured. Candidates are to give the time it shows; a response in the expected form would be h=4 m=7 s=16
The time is h=10 m=37 s=12
